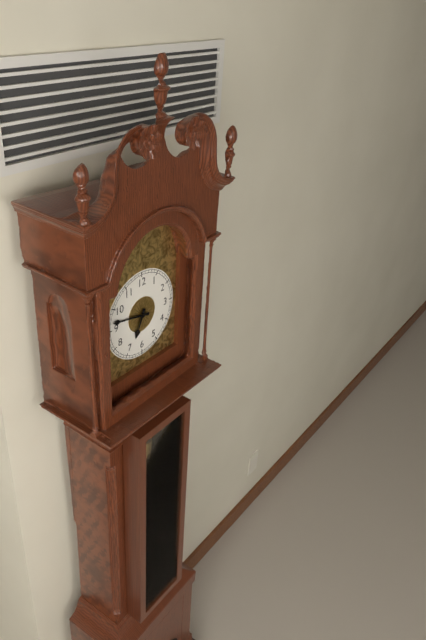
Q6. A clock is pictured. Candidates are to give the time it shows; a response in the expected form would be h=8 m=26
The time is h=6 m=47
